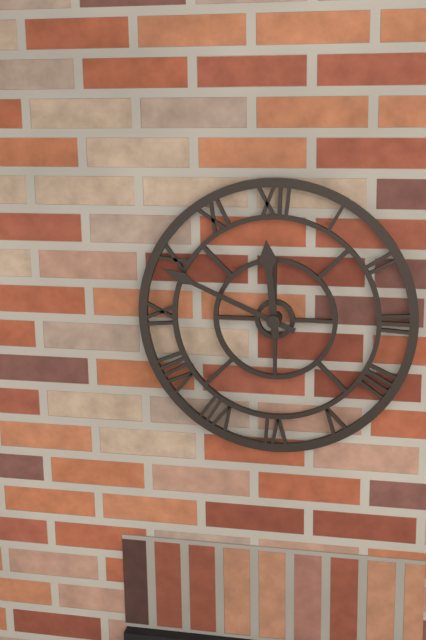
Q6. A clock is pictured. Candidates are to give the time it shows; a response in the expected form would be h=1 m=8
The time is h=11 m=49
